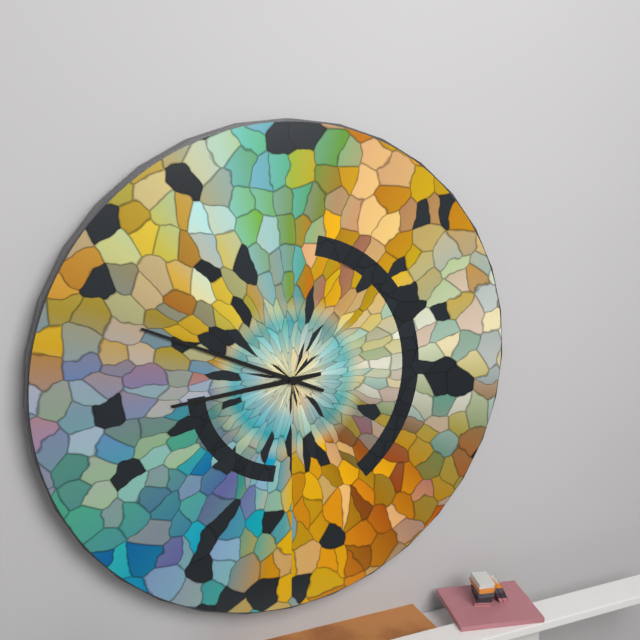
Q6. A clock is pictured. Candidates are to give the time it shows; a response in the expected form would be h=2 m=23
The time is h=8 m=49
